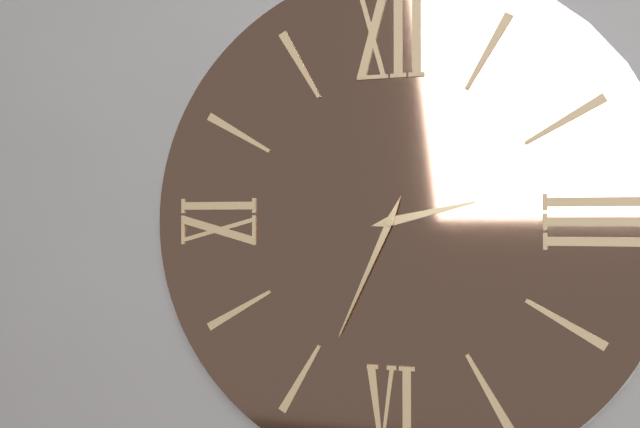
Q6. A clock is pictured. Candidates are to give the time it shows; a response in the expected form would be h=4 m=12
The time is h=2 m=34
